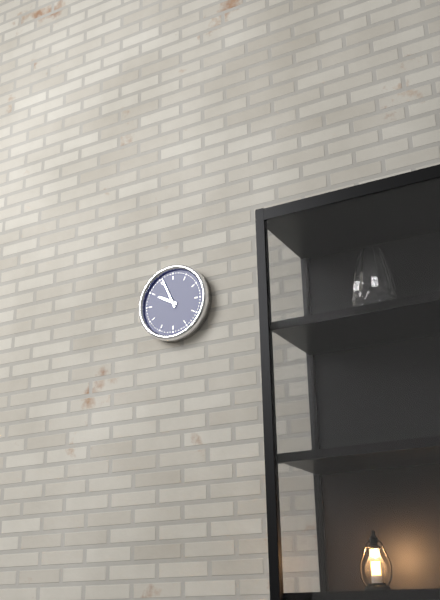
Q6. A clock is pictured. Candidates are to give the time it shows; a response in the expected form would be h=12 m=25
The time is h=9 m=56
